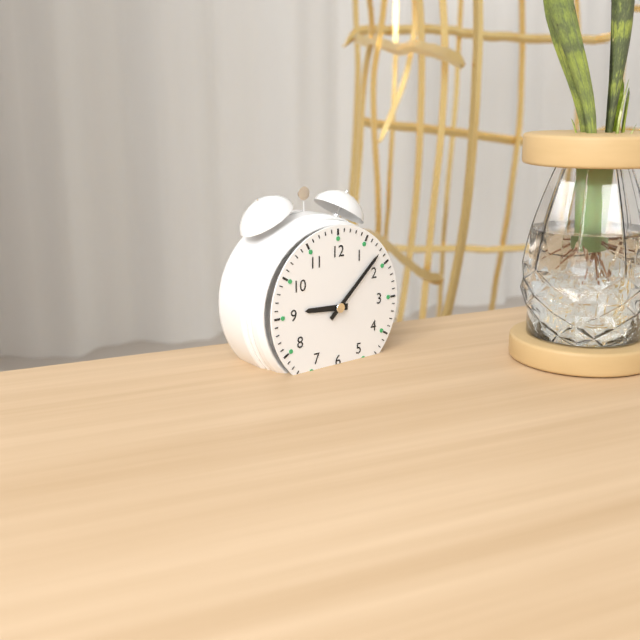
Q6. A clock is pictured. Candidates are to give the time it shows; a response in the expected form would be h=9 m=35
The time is h=9 m=8
